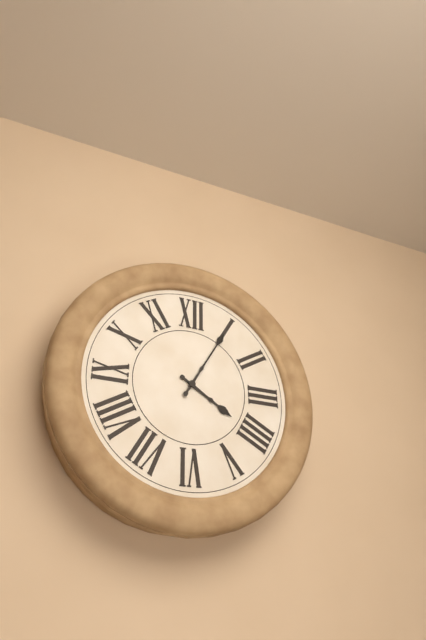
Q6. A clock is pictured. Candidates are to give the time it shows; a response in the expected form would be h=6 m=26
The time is h=4 m=5
